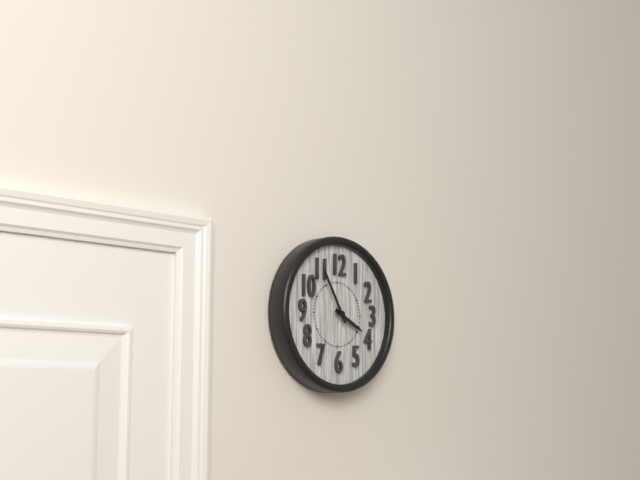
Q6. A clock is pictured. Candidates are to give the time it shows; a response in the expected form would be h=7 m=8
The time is h=3 m=55
